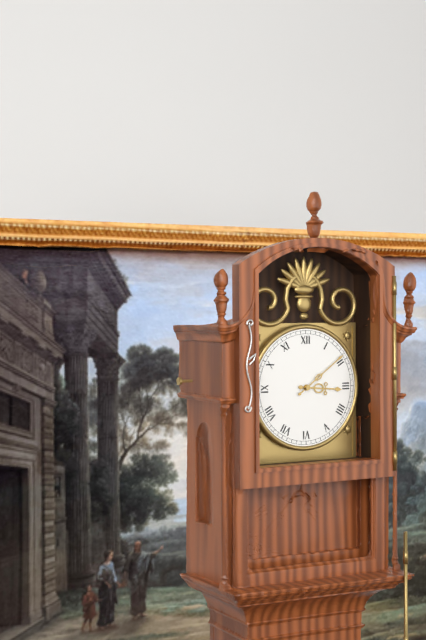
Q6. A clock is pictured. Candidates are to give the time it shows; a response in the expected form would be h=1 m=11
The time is h=3 m=9
